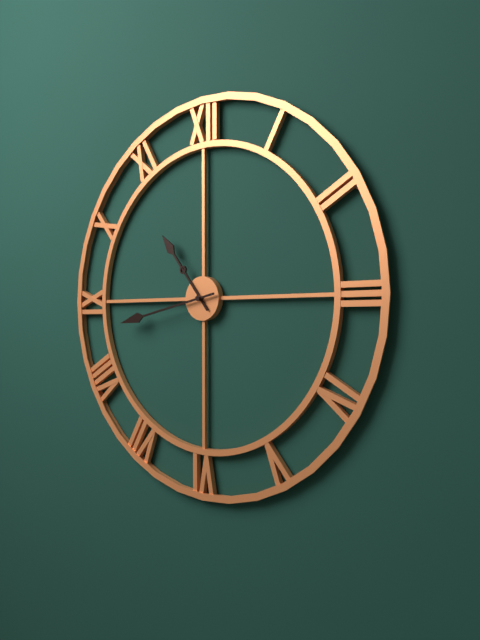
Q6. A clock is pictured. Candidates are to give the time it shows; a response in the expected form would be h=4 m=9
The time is h=10 m=43
